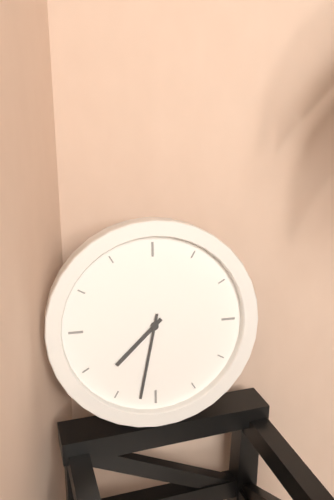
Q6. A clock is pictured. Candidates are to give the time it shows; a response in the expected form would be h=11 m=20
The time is h=7 m=32
